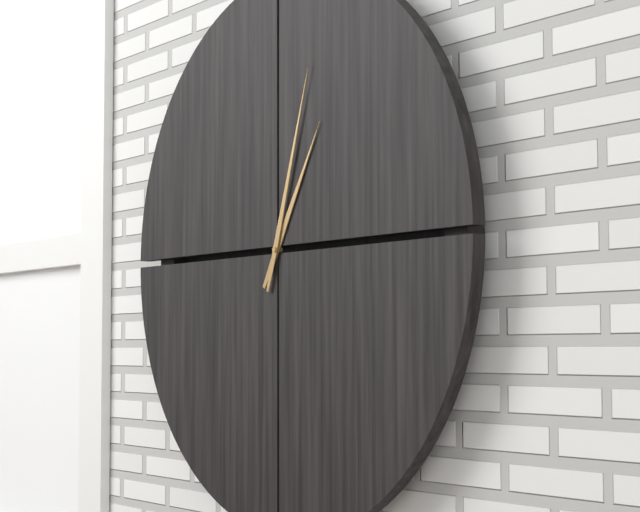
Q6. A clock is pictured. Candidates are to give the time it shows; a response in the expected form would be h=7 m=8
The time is h=1 m=3
